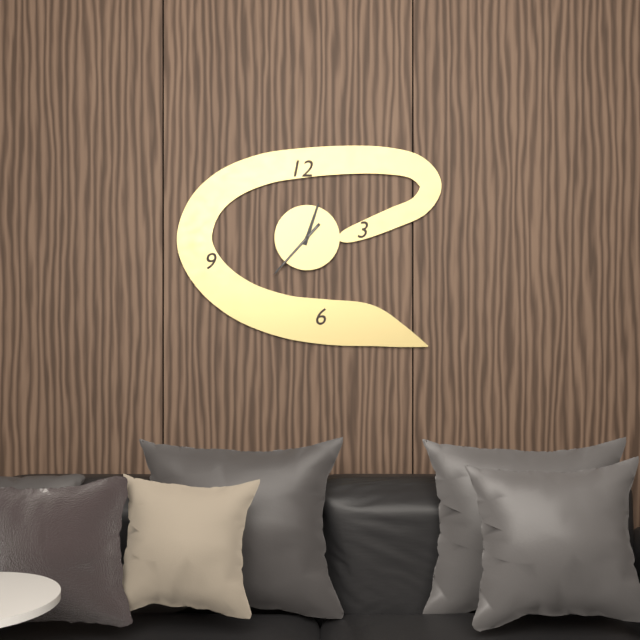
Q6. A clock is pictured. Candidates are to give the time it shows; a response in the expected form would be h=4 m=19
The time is h=12 m=37
